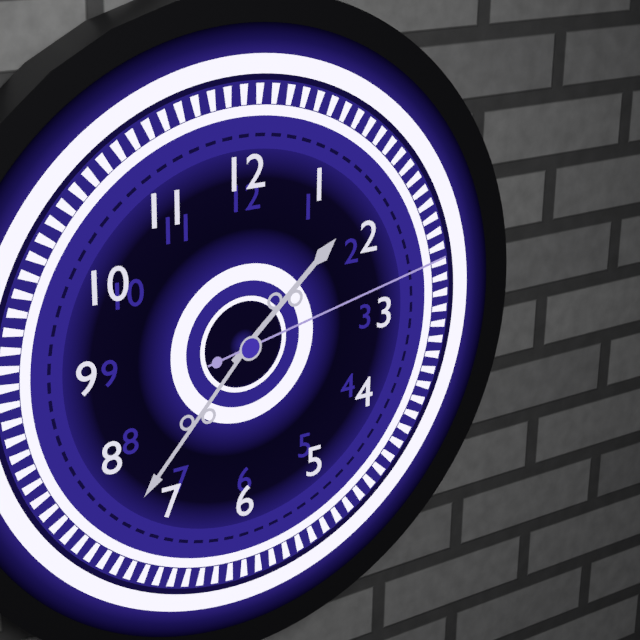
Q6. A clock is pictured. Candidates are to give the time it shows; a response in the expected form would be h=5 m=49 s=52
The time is h=1 m=37 s=13
